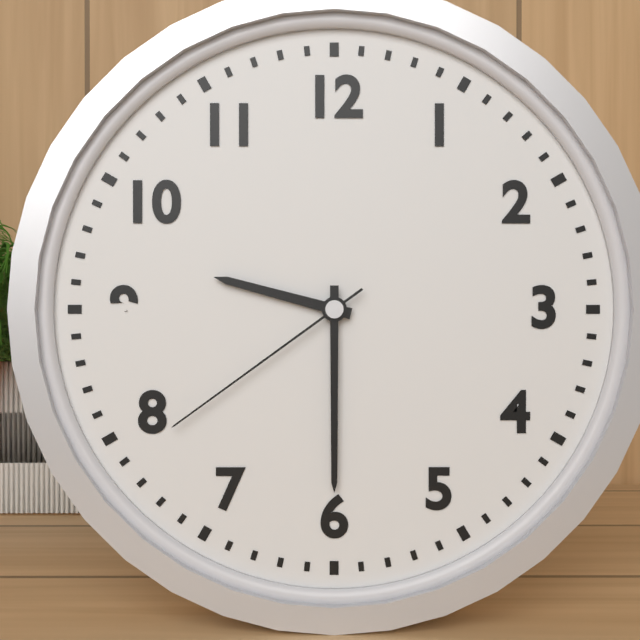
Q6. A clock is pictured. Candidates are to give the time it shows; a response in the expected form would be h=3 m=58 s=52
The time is h=9 m=30 s=39
